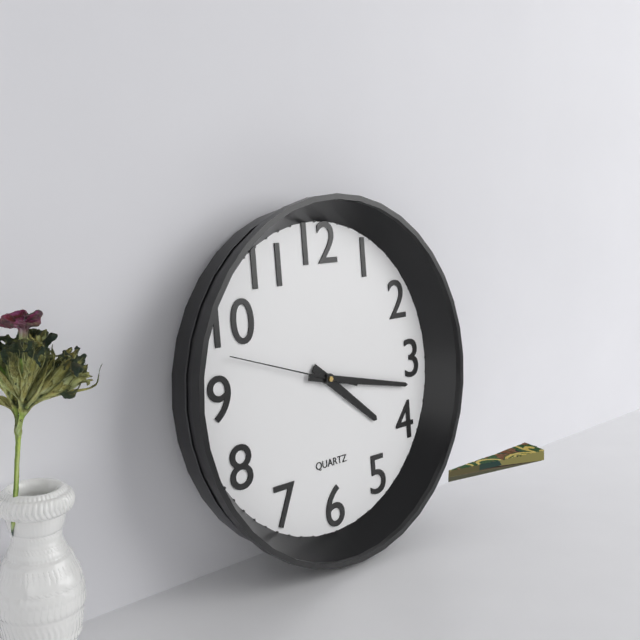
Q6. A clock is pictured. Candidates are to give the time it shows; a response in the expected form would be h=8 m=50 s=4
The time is h=4 m=17 s=48
